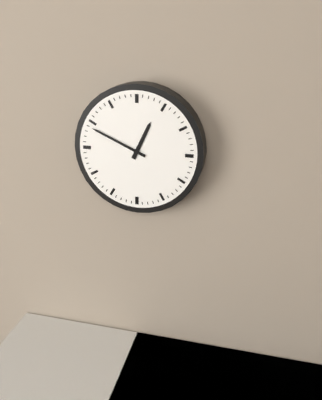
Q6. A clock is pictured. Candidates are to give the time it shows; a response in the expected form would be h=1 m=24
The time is h=12 m=49
